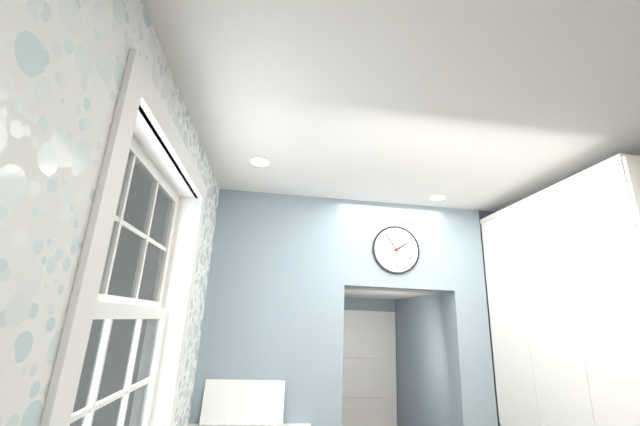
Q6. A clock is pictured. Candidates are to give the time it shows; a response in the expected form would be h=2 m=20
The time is h=1 m=54
